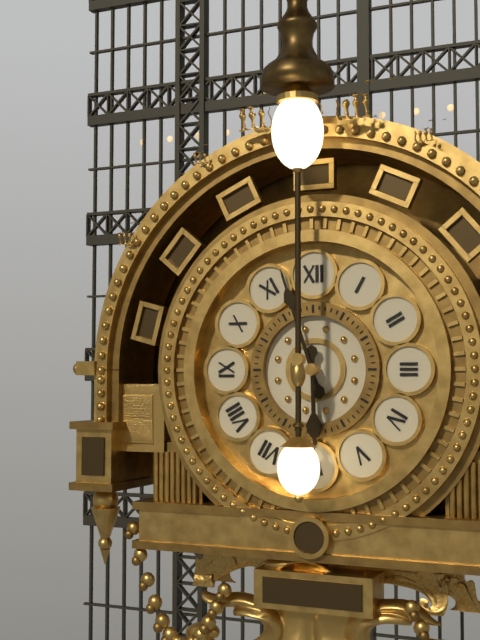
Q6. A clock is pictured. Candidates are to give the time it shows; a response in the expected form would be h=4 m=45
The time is h=5 m=57
